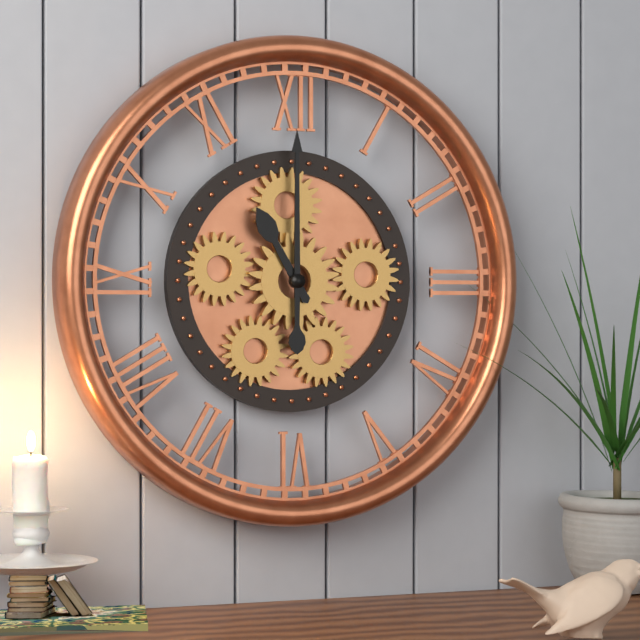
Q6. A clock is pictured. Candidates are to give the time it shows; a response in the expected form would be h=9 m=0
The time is h=11 m=0
